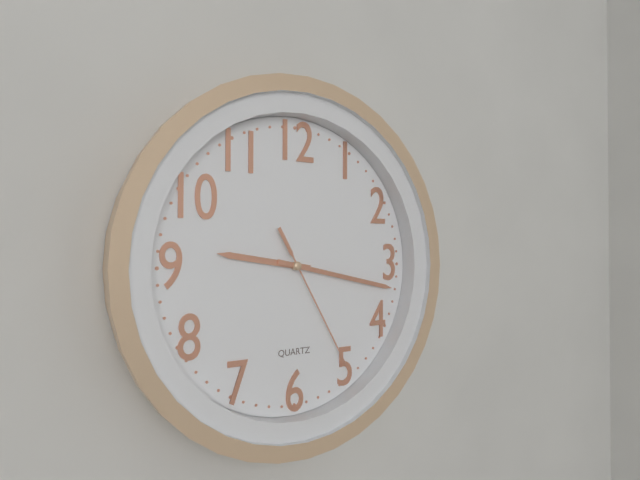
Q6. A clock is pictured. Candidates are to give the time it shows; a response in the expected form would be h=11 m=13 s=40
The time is h=9 m=17 s=25
